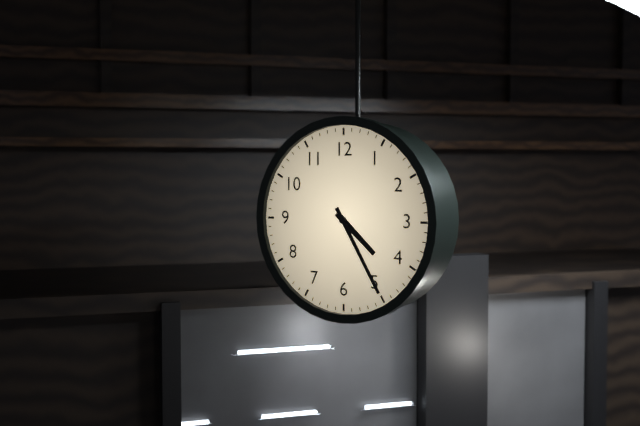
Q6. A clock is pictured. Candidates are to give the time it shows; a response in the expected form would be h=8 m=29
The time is h=4 m=25
